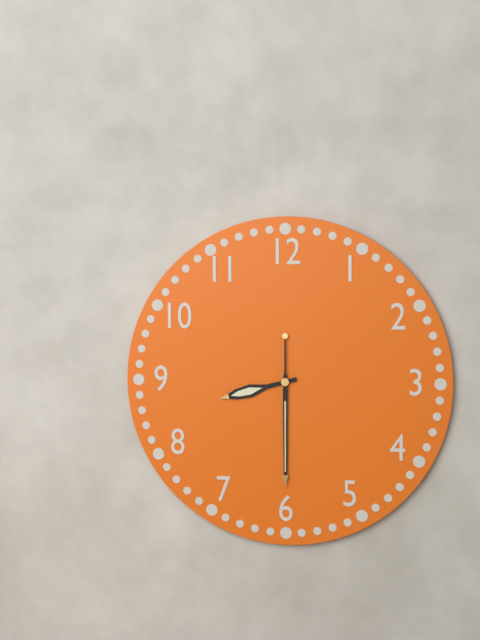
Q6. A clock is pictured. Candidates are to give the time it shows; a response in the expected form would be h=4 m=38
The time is h=8 m=30
